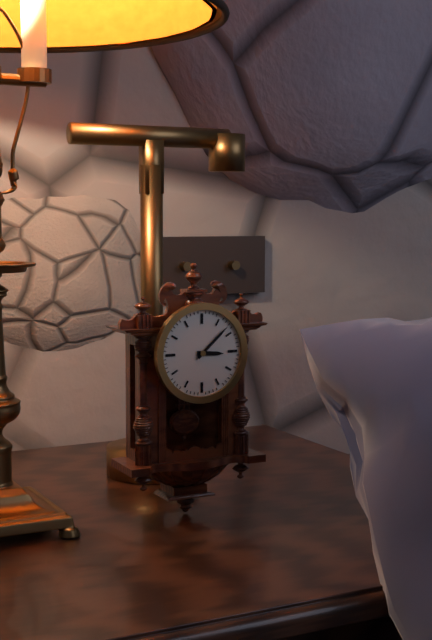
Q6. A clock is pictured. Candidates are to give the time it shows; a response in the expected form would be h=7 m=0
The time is h=3 m=8
